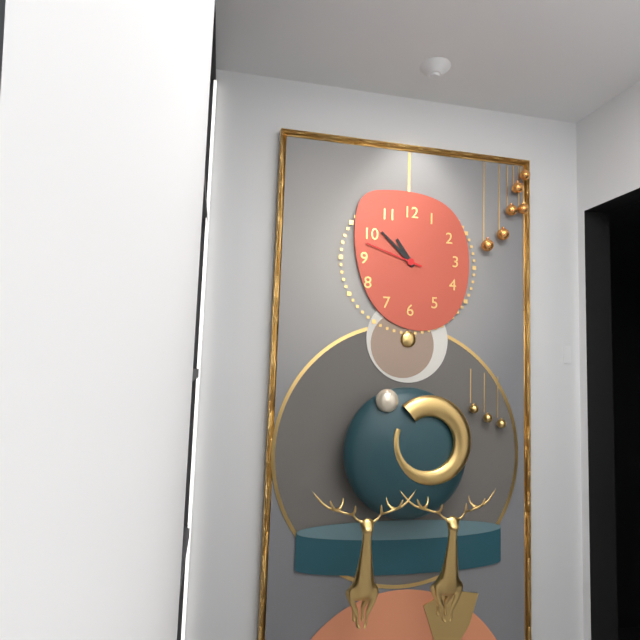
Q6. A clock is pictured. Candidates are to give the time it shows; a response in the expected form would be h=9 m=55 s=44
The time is h=10 m=52 s=48
